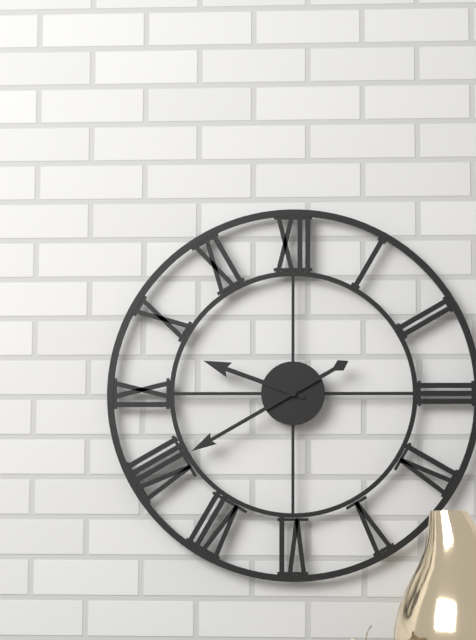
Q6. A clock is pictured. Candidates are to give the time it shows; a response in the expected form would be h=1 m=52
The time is h=9 m=40
